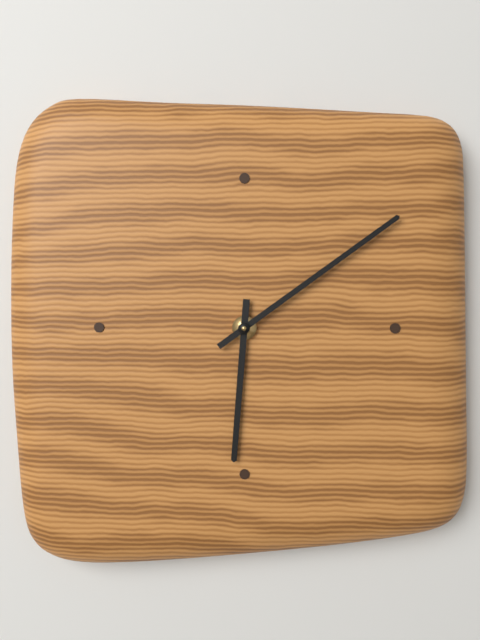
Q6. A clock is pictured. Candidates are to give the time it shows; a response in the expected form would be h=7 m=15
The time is h=6 m=9
